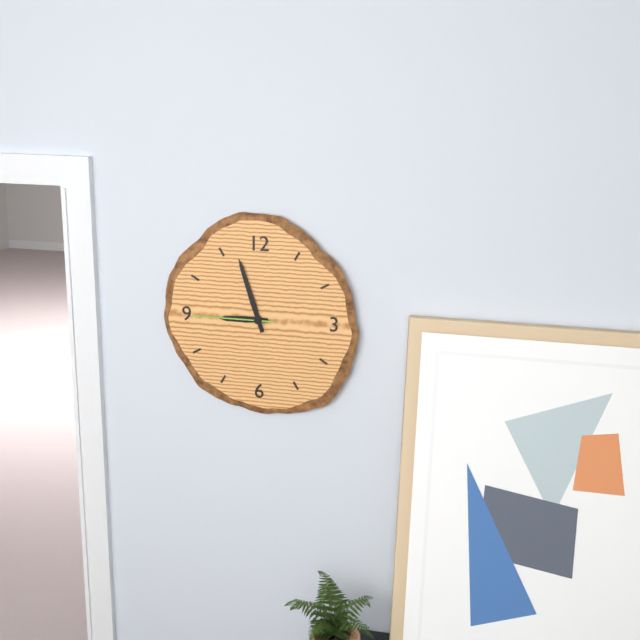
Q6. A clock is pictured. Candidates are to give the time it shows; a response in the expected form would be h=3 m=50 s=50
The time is h=8 m=57 s=45
